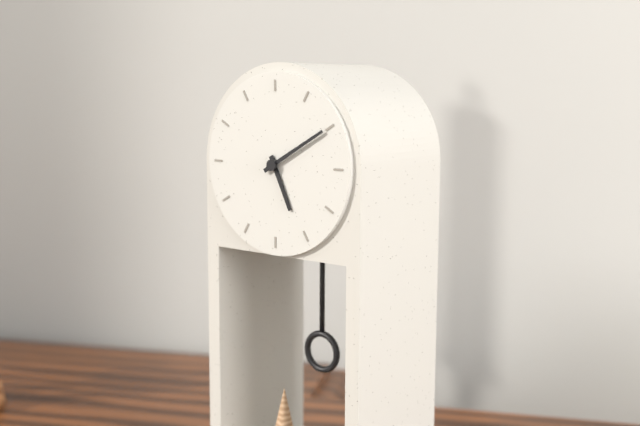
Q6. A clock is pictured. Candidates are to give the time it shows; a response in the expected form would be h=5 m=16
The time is h=5 m=10
